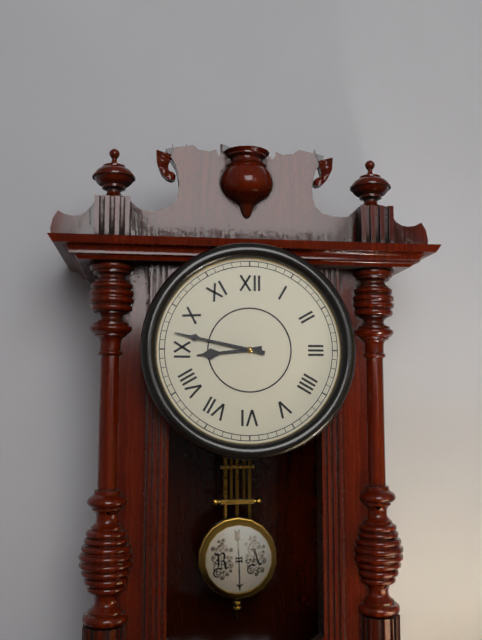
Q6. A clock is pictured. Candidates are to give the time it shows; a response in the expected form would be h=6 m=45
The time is h=8 m=47
